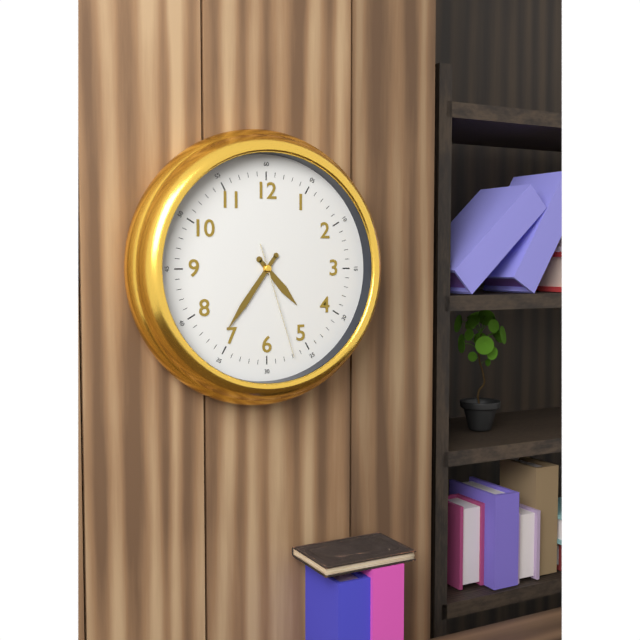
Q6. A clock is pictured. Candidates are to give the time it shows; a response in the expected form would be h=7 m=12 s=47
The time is h=4 m=36 s=27
